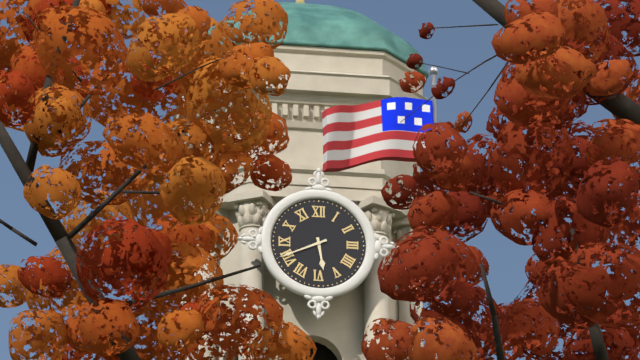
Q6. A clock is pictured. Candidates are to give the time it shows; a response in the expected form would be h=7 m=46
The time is h=5 m=41
